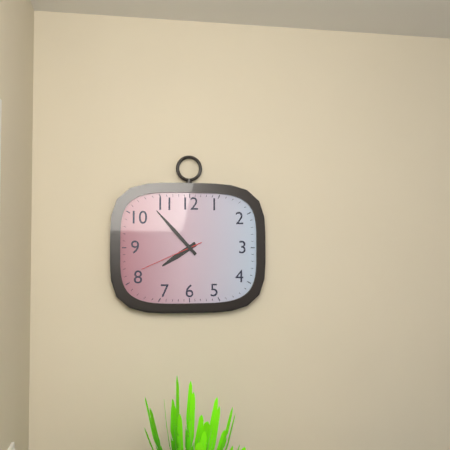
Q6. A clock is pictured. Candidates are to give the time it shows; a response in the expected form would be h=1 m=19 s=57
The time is h=7 m=53 s=41
